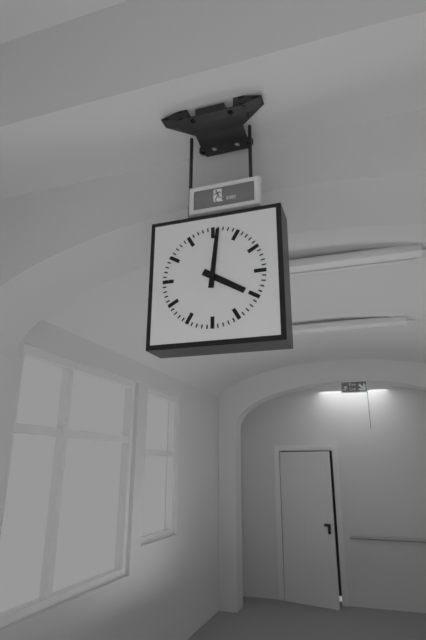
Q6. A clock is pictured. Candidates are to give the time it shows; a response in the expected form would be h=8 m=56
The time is h=4 m=1
